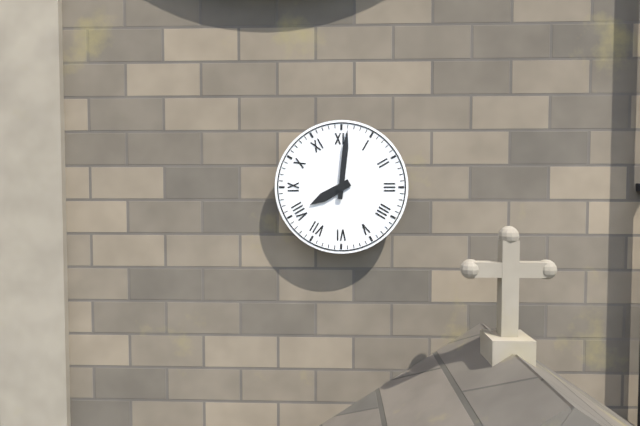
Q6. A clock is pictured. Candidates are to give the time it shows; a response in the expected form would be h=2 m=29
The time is h=8 m=1
